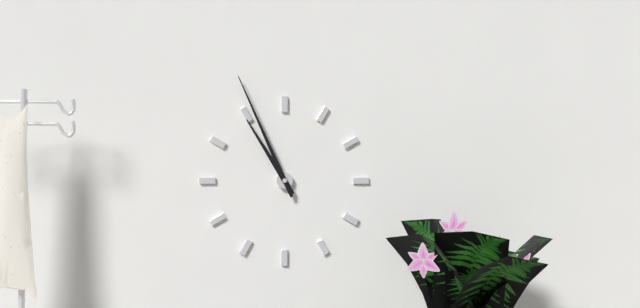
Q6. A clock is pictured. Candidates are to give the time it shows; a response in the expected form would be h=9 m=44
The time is h=10 m=56
